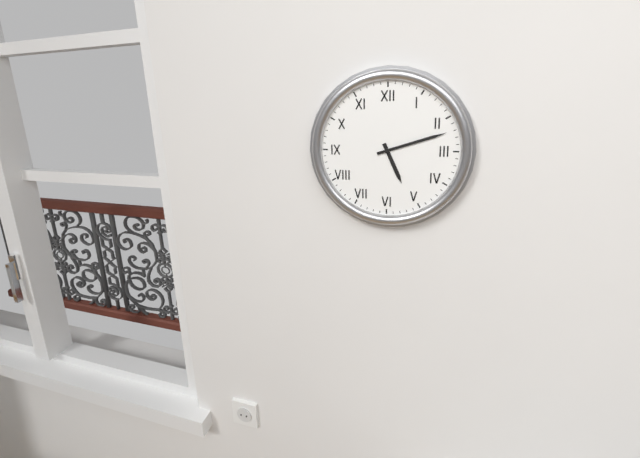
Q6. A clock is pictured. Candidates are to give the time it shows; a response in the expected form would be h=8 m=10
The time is h=5 m=12
